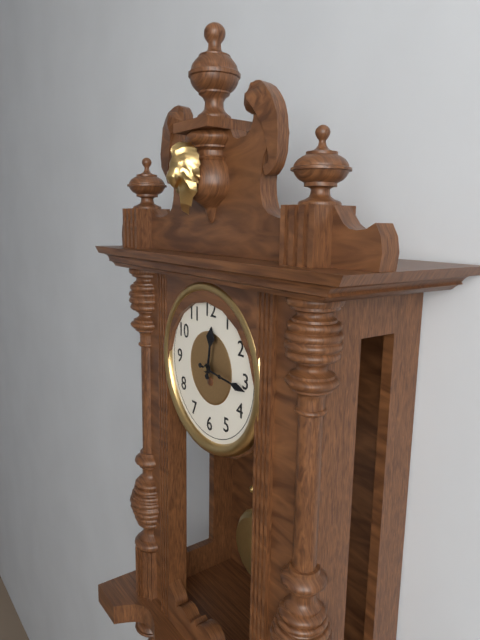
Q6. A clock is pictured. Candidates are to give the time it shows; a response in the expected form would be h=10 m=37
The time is h=12 m=16
